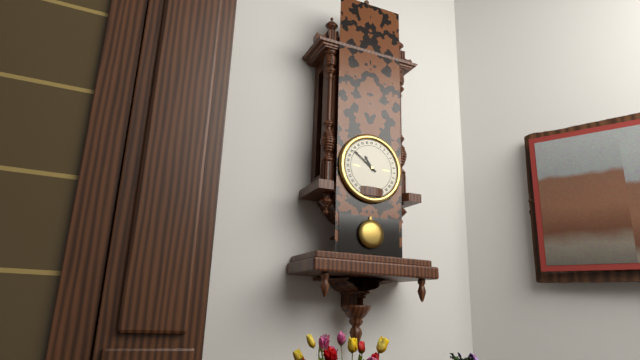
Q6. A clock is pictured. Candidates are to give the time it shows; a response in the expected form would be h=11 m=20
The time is h=10 m=51
